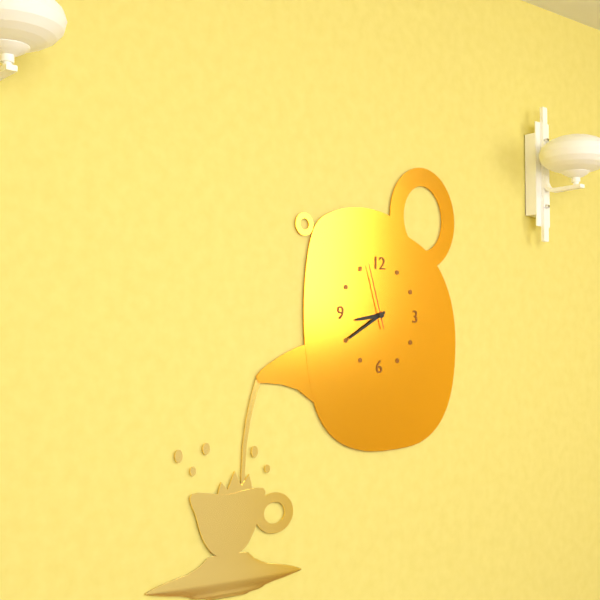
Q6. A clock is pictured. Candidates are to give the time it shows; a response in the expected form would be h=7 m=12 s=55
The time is h=8 m=40 s=57
